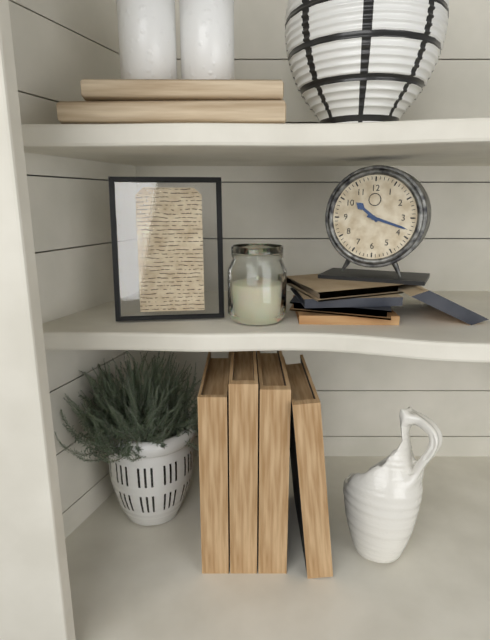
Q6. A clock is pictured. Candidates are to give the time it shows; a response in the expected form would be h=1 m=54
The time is h=10 m=18
